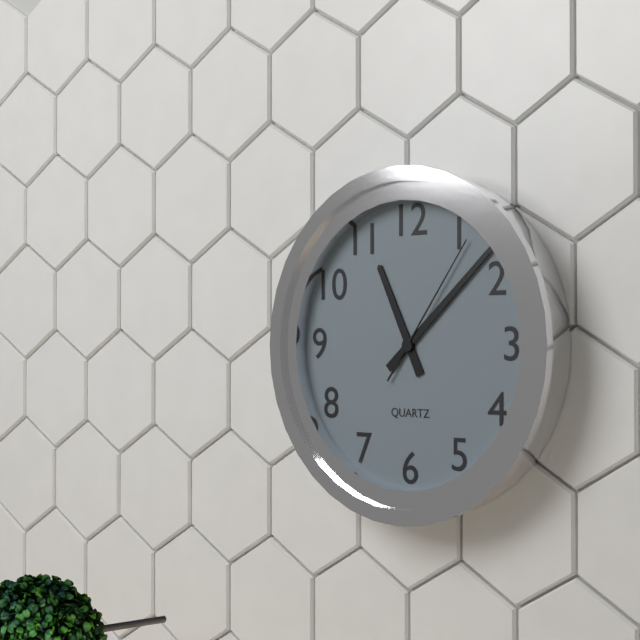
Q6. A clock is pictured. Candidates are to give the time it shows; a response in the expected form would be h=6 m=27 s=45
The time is h=11 m=8 s=6
